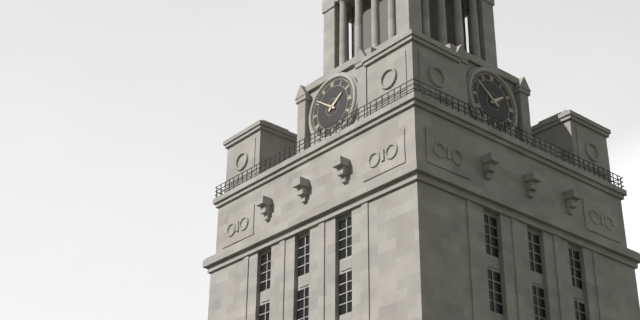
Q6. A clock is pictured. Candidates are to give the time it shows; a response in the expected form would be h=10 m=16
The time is h=1 m=51
